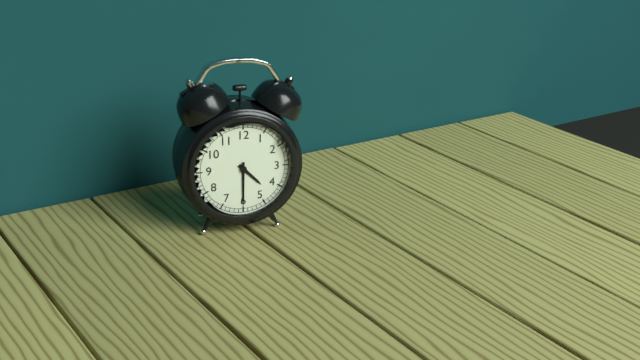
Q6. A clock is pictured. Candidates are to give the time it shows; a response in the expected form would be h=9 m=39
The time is h=4 m=30
